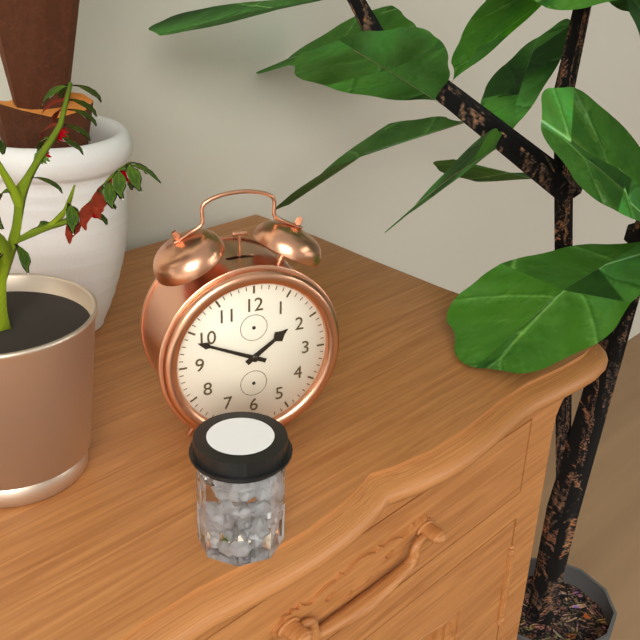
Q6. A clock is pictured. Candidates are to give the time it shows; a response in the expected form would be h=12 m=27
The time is h=1 m=49
